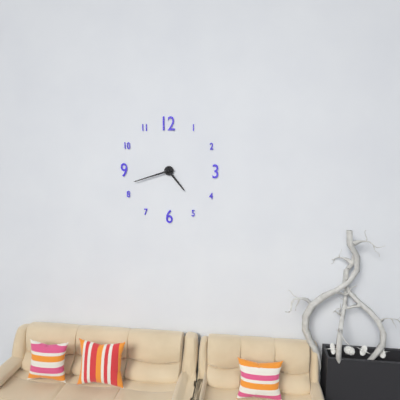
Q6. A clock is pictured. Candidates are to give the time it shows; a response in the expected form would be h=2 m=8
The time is h=4 m=42
